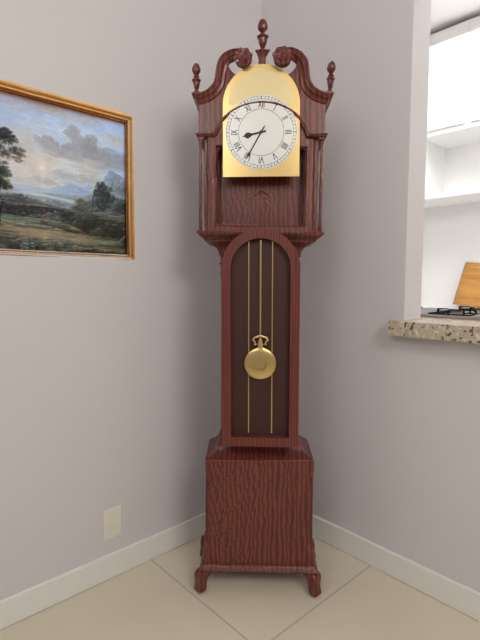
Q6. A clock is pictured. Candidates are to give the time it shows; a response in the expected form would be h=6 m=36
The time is h=8 m=35
